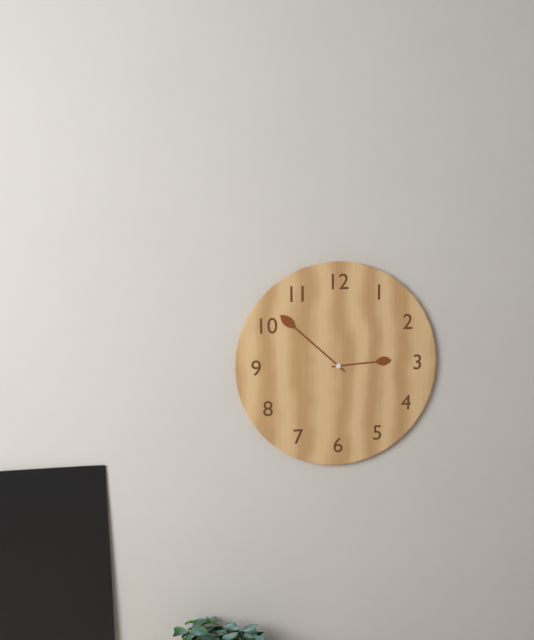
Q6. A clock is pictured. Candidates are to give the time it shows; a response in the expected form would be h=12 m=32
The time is h=2 m=52
